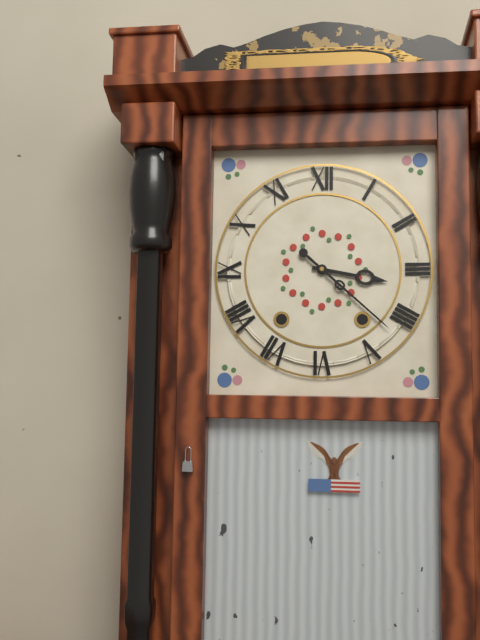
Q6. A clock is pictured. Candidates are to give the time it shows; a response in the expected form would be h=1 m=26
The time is h=3 m=22
